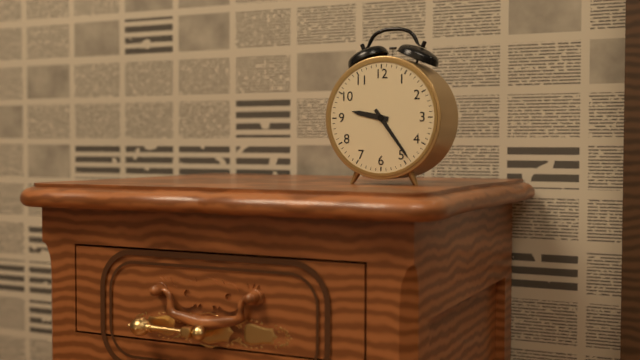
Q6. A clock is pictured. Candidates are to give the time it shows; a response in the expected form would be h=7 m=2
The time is h=9 m=24
